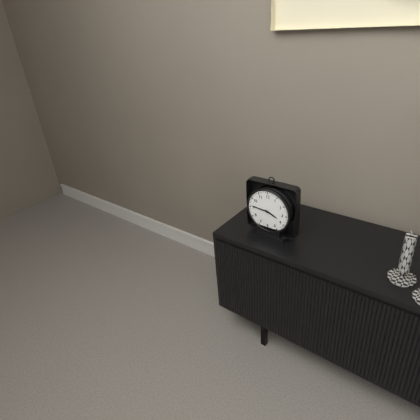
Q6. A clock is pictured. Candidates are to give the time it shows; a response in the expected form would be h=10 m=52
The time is h=3 m=46
